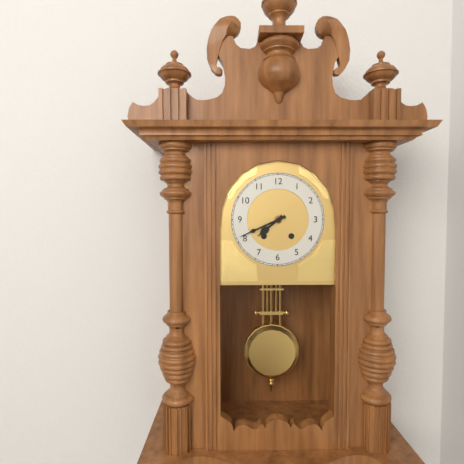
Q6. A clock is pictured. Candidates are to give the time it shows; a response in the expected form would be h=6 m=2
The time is h=7 m=41
